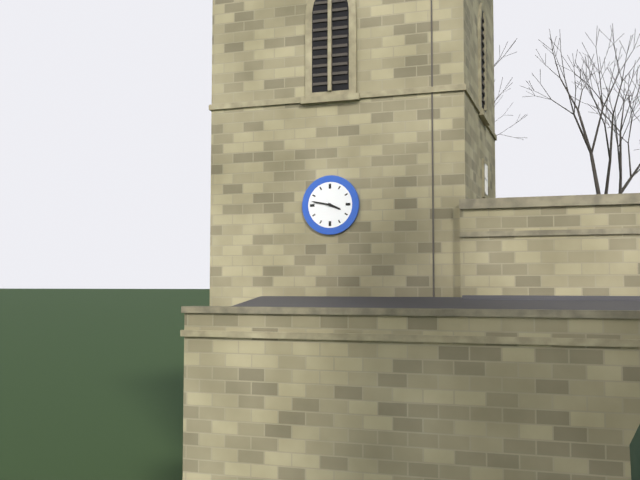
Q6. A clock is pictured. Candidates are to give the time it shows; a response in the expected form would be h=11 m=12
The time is h=3 m=47
